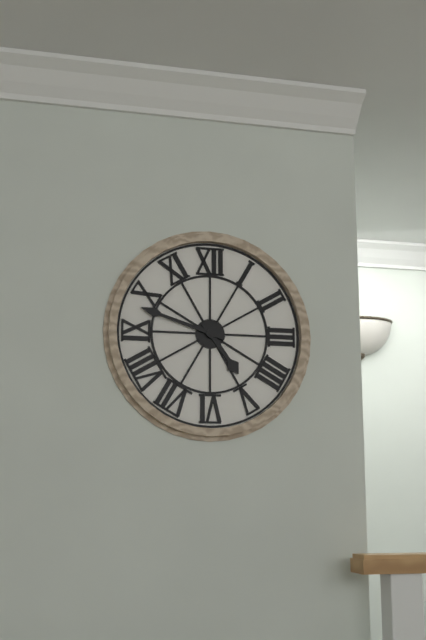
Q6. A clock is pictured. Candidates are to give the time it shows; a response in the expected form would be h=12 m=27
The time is h=4 m=48
